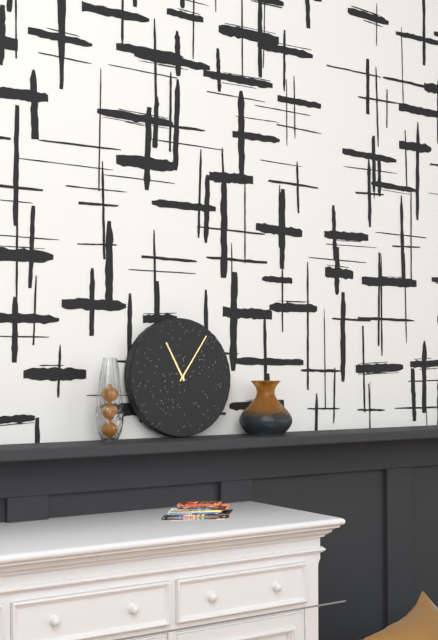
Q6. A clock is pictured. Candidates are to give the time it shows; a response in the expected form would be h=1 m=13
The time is h=11 m=6
